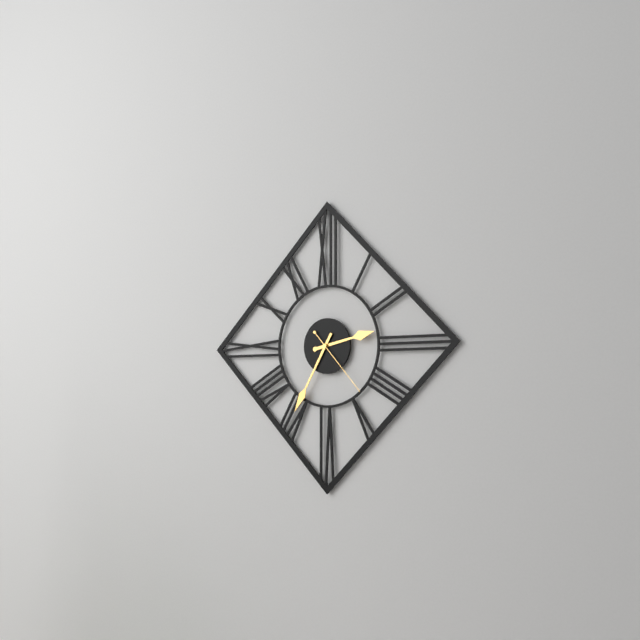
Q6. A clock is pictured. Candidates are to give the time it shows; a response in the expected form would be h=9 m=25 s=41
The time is h=2 m=35 s=23
